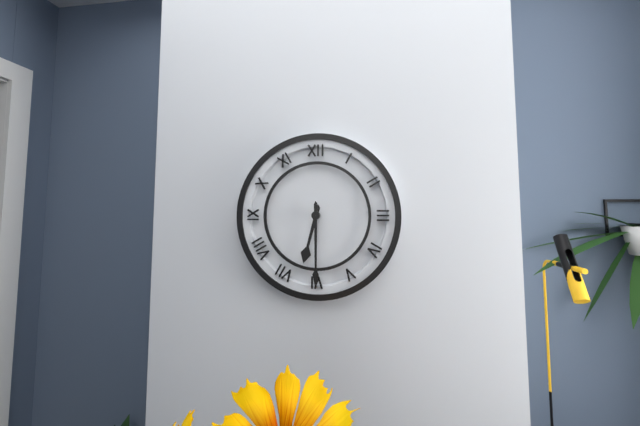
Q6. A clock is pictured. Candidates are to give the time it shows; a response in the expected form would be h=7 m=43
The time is h=6 m=30
